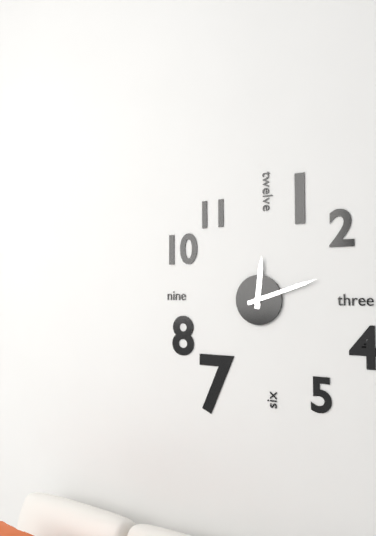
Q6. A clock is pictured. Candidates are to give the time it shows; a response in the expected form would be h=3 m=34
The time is h=12 m=12
